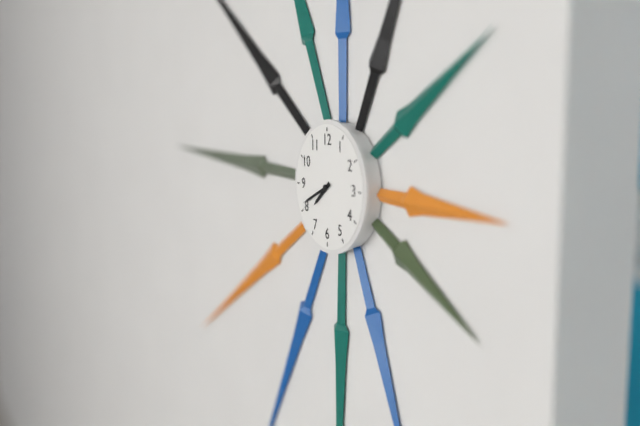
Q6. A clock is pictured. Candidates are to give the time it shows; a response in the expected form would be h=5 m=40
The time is h=7 m=41
